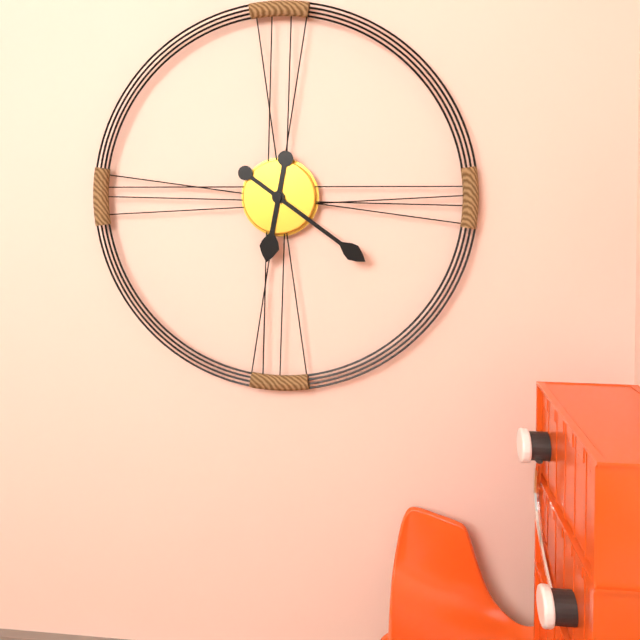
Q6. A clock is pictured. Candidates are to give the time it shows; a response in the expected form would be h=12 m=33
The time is h=6 m=21
